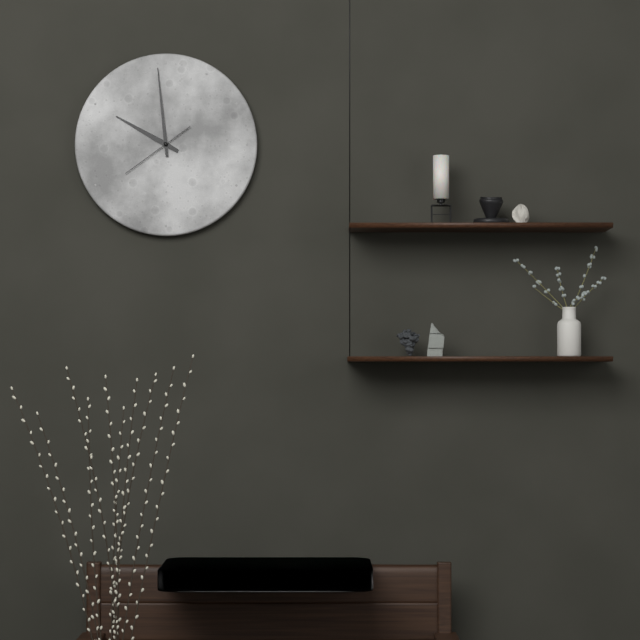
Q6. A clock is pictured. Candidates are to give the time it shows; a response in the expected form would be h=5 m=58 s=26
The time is h=9 m=59 s=39
